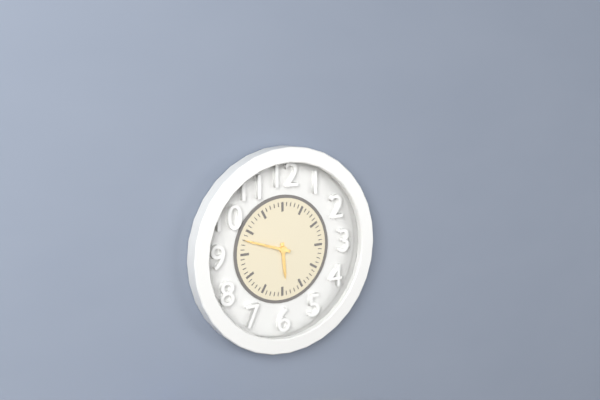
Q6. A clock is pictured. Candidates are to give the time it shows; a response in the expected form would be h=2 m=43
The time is h=5 m=48
